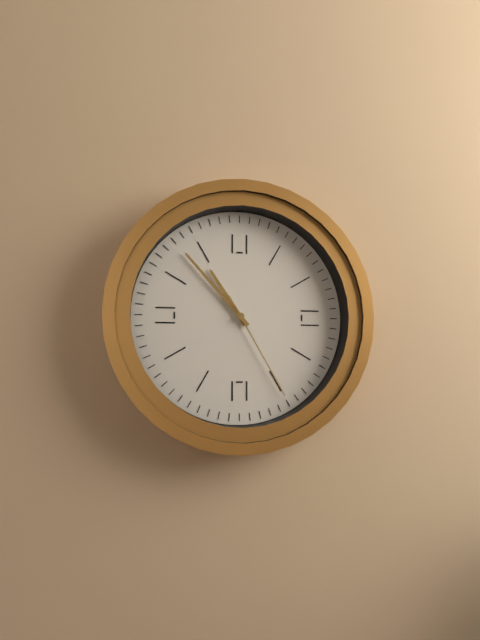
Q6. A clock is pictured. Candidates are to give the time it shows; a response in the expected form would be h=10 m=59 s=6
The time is h=10 m=53 s=25
